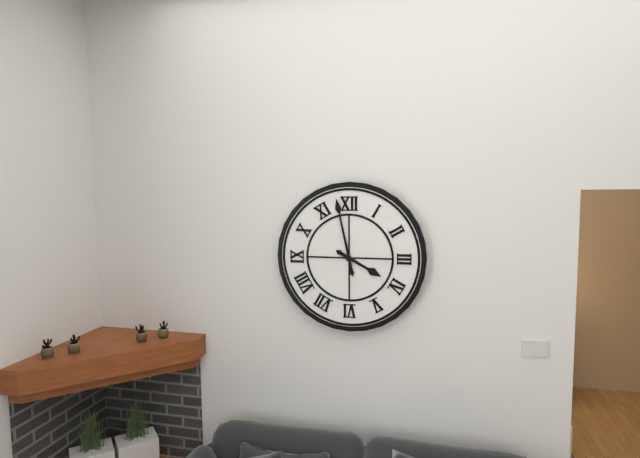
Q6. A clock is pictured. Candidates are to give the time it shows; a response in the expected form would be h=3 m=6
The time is h=3 m=58
